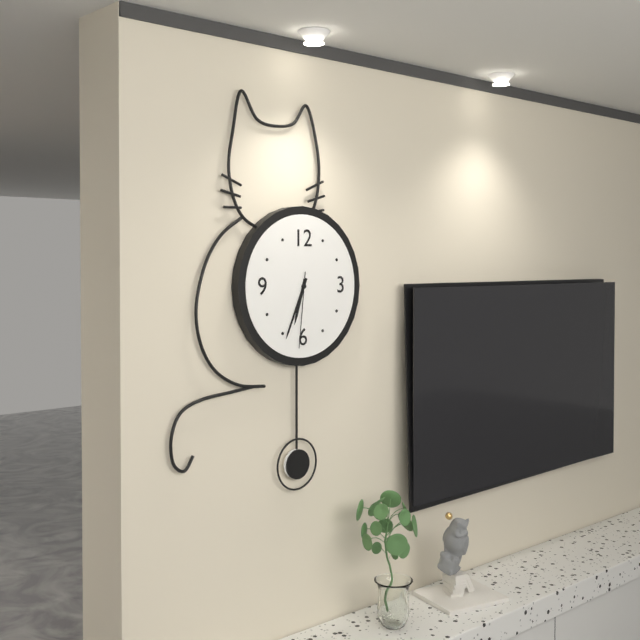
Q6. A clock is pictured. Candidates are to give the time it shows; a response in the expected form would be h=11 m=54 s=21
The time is h=6 m=34 s=31
